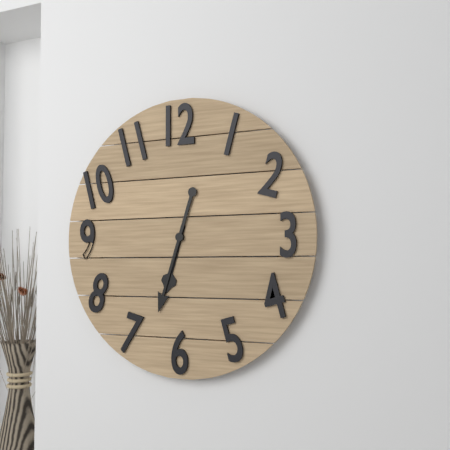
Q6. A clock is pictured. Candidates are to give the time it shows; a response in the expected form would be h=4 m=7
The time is h=6 m=33
